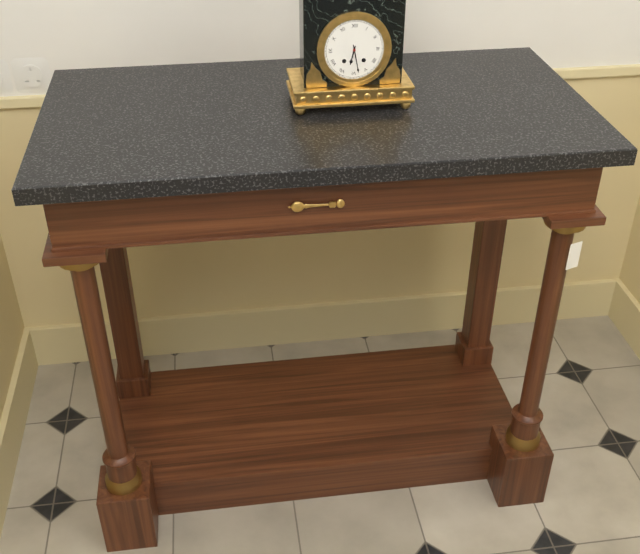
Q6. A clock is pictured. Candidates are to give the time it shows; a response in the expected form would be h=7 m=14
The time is h=6 m=28
